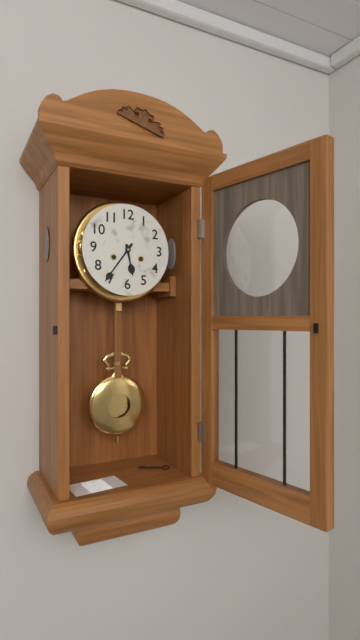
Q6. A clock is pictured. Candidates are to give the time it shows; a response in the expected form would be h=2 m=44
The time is h=5 m=36
